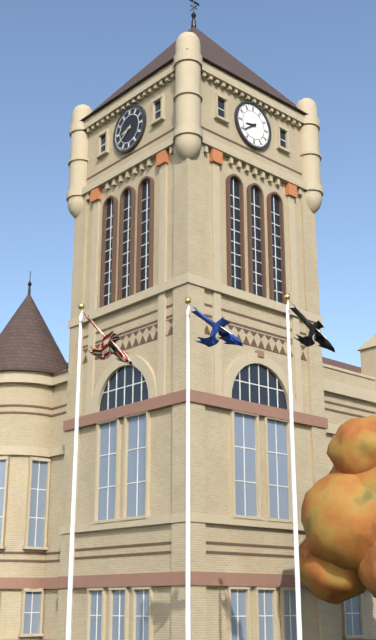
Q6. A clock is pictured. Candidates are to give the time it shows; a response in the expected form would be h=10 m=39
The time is h=8 m=39
